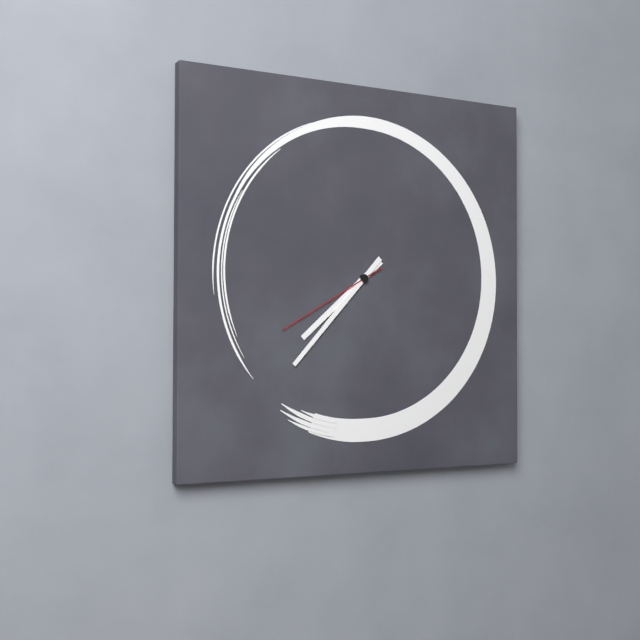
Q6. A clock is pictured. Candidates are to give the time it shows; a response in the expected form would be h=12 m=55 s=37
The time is h=7 m=37 s=40
